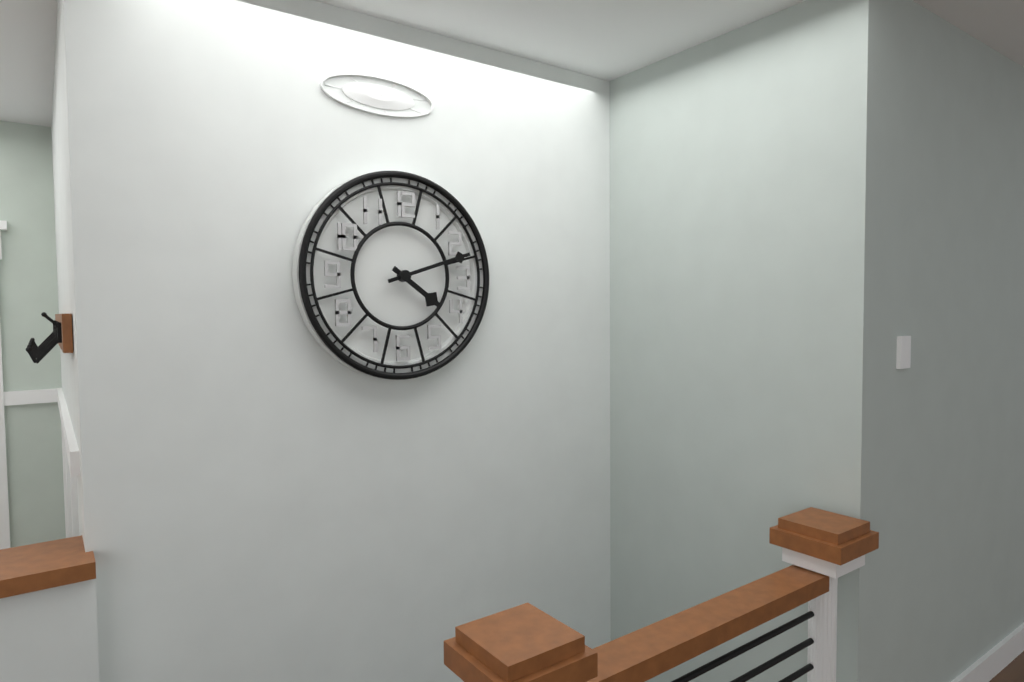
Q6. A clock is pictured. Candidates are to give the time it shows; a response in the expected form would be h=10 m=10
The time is h=4 m=12
